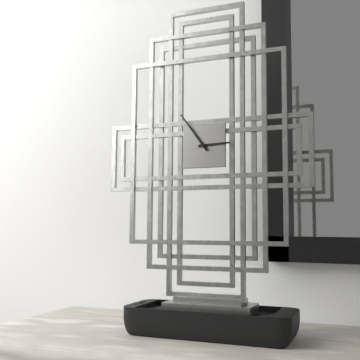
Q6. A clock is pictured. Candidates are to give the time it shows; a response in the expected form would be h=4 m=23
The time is h=2 m=54
